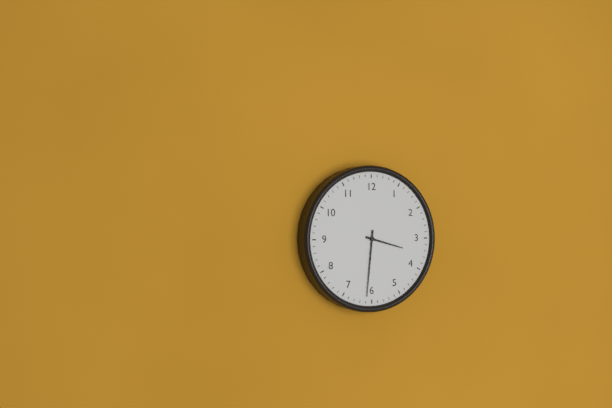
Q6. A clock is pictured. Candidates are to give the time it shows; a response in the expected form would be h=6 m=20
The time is h=3 m=31
